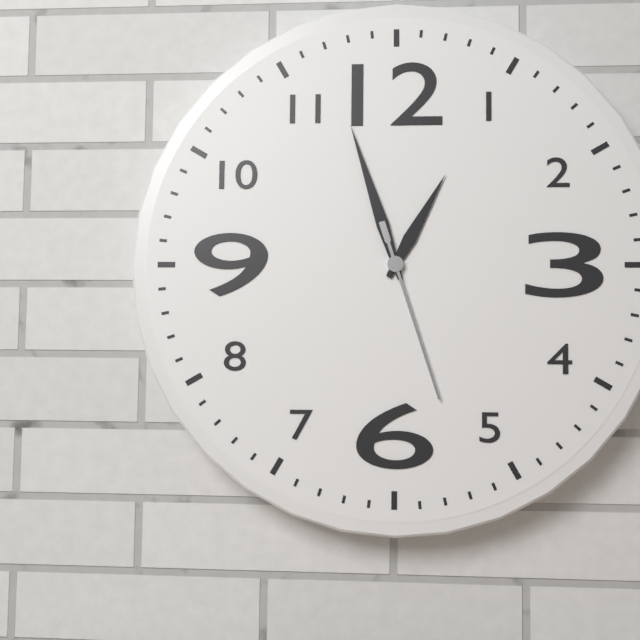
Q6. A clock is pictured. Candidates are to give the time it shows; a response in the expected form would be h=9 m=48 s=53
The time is h=12 m=57 s=27
